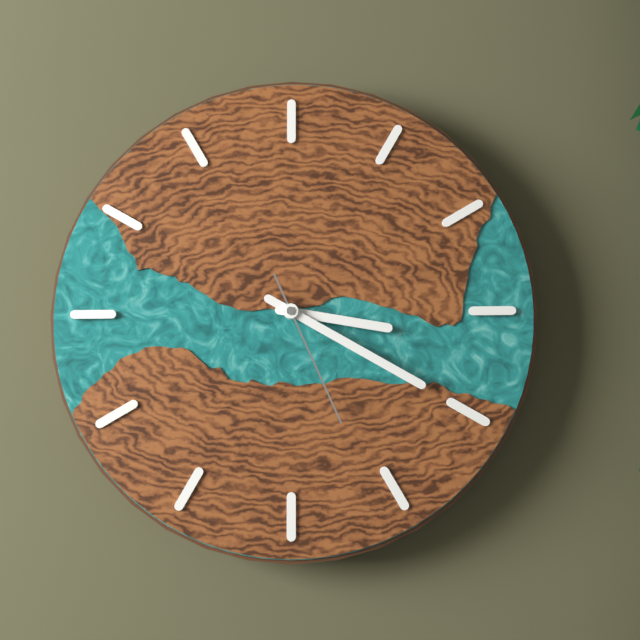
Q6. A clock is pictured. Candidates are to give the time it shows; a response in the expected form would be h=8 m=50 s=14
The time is h=3 m=20 s=26
